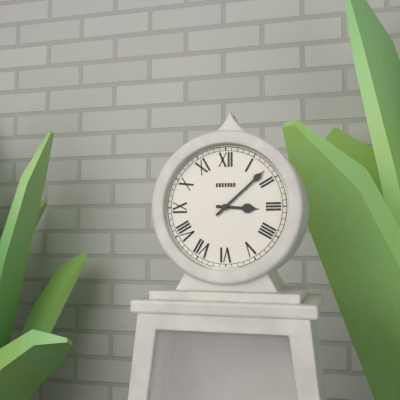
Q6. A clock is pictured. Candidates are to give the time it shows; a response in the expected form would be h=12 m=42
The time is h=3 m=8
